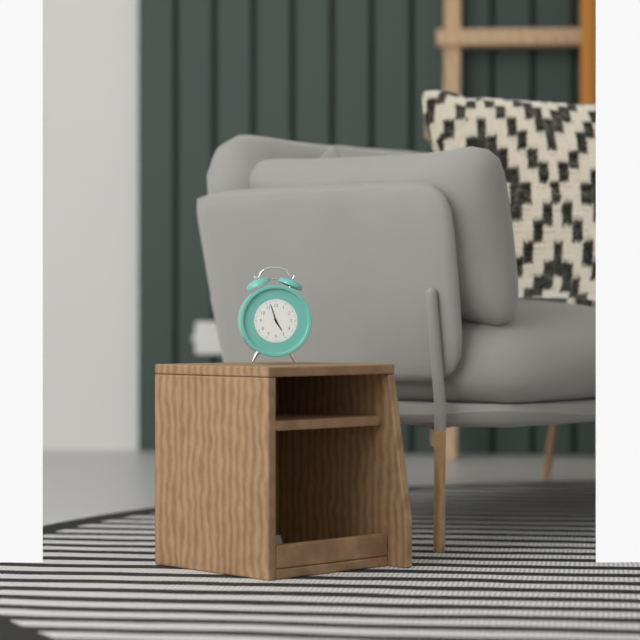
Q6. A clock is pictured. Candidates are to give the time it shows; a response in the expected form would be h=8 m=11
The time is h=4 m=57
